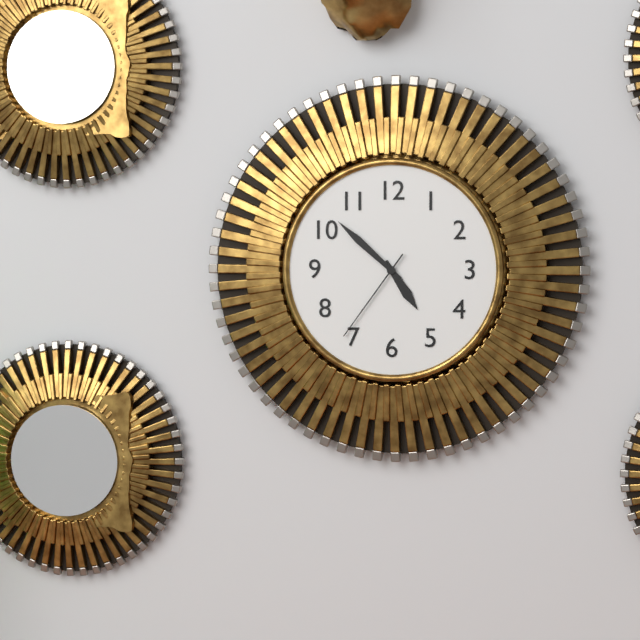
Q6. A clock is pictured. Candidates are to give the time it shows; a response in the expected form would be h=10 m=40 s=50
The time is h=4 m=52 s=36
